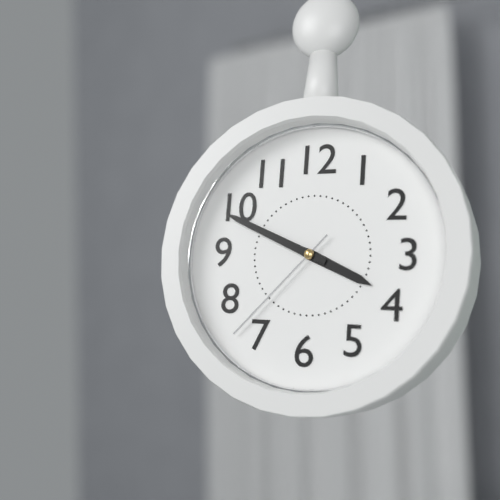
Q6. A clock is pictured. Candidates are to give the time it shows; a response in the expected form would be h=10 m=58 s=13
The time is h=3 m=49 s=37
